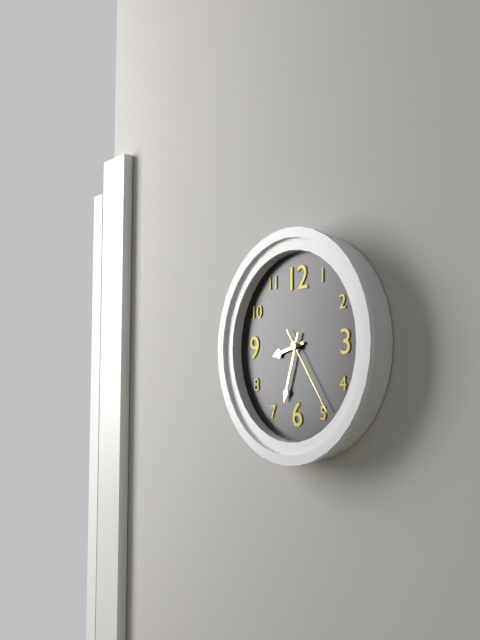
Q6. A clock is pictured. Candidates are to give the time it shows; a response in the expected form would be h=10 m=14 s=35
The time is h=8 m=33 s=24
